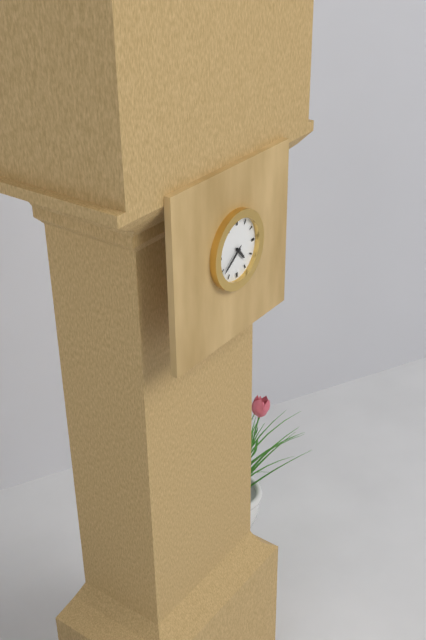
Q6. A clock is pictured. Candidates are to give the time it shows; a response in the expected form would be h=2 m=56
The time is h=4 m=39
